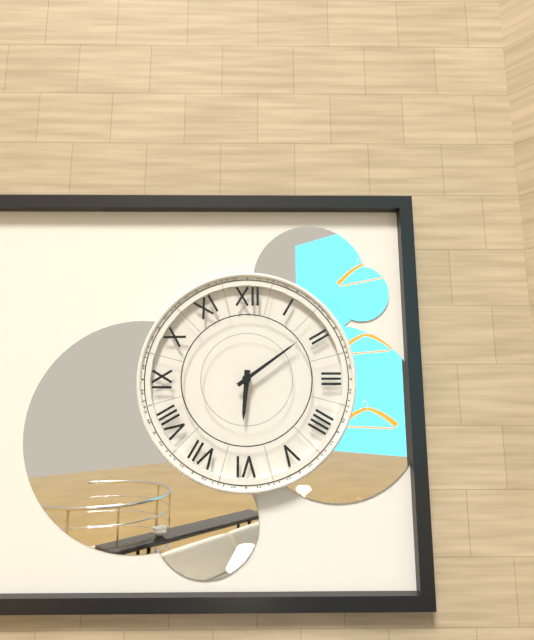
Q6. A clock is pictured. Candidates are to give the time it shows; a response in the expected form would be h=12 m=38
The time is h=6 m=9
